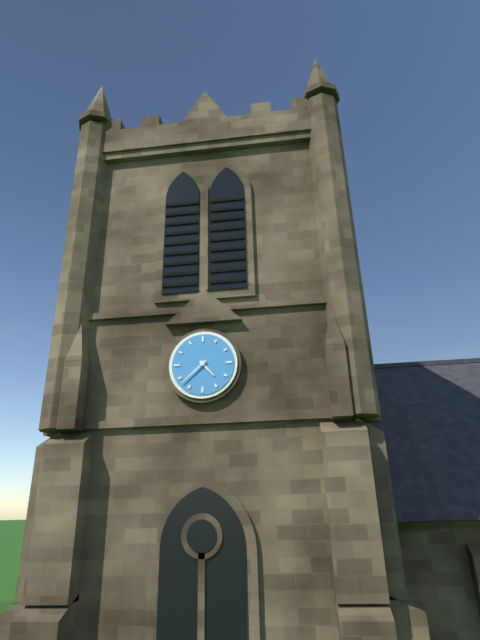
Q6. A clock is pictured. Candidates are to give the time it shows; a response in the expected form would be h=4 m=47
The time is h=4 m=38
